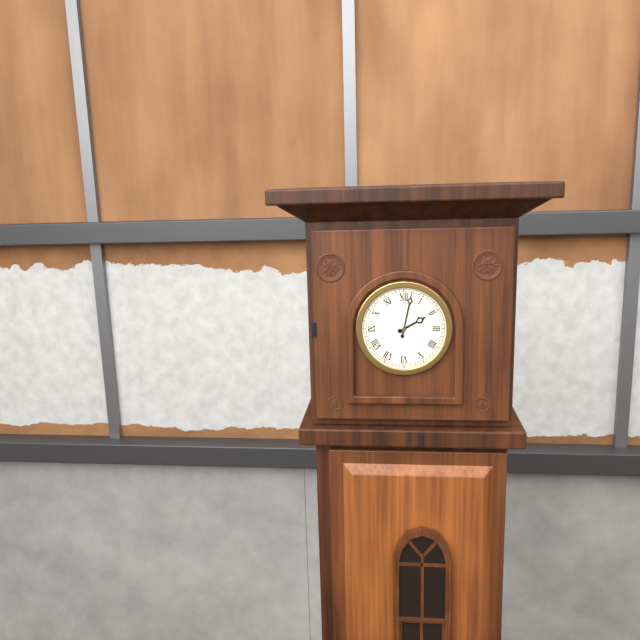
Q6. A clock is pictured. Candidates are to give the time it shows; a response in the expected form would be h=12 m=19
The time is h=2 m=2
